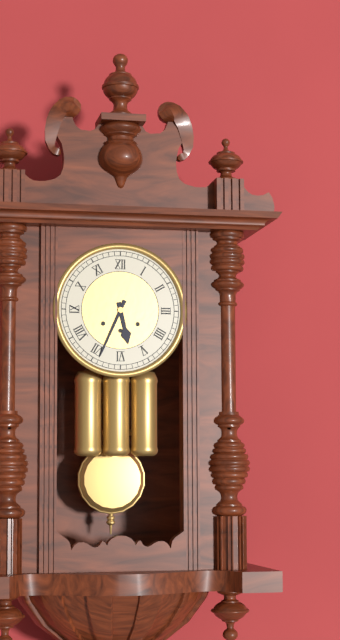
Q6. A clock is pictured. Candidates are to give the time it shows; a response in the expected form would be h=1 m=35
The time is h=5 m=34
